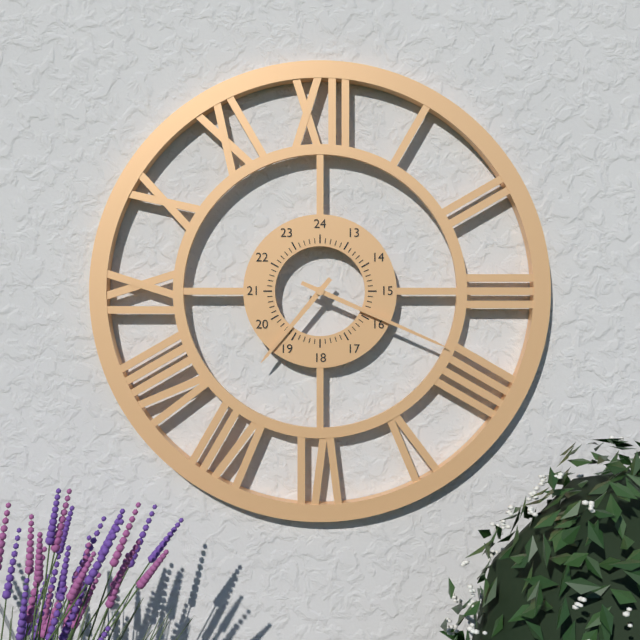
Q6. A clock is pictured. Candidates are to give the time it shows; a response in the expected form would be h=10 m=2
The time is h=7 m=19
